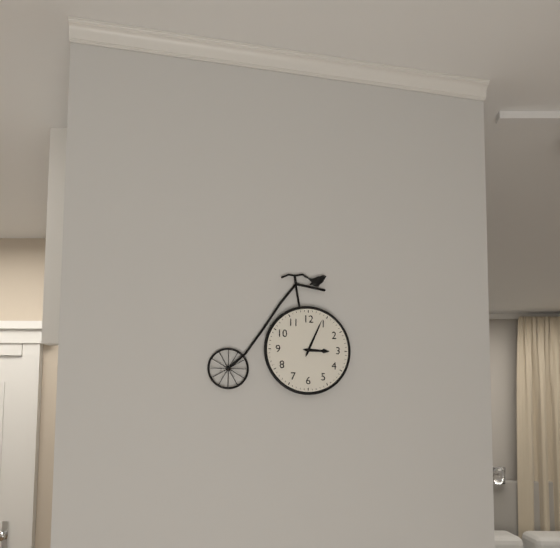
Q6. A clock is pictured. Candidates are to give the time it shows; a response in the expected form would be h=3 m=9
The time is h=3 m=4
